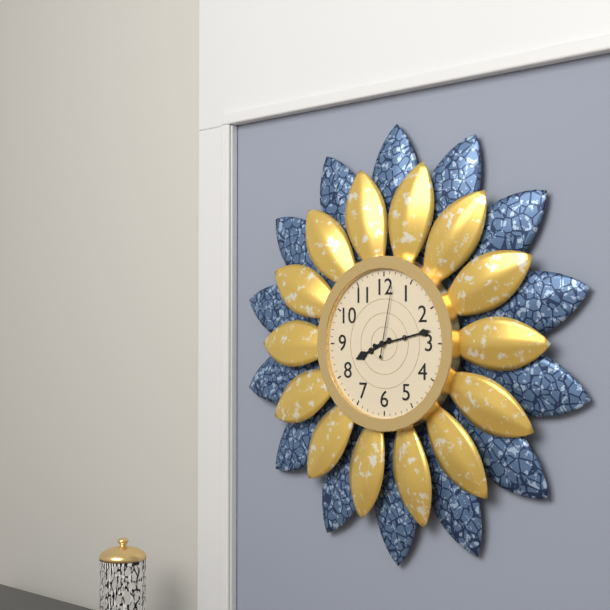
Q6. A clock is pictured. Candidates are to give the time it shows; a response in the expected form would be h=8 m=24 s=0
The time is h=8 m=13 s=2
